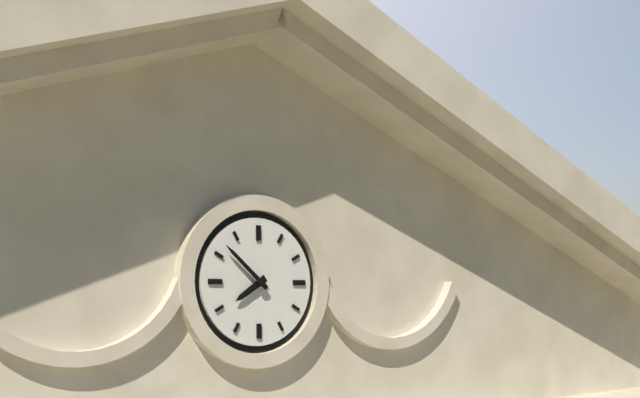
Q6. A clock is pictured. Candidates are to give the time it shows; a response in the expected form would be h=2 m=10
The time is h=7 m=52
